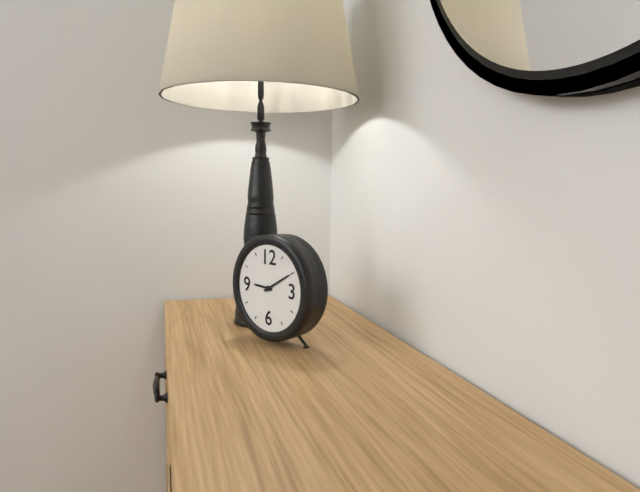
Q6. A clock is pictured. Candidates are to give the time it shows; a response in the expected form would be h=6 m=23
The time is h=9 m=10
